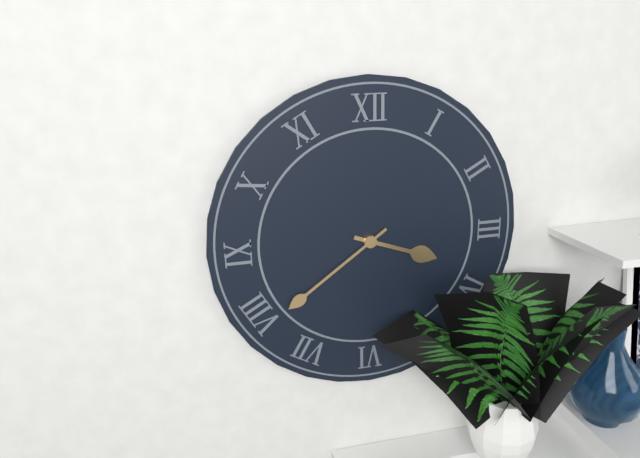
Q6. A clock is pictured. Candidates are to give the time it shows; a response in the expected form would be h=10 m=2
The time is h=3 m=39
